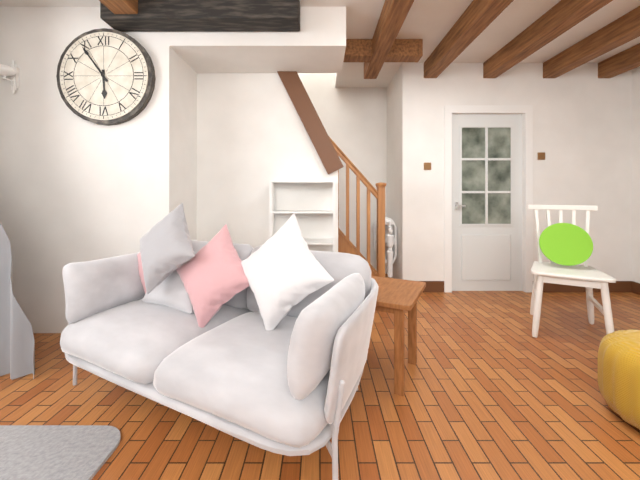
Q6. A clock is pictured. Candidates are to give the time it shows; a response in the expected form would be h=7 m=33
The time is h=5 m=54
